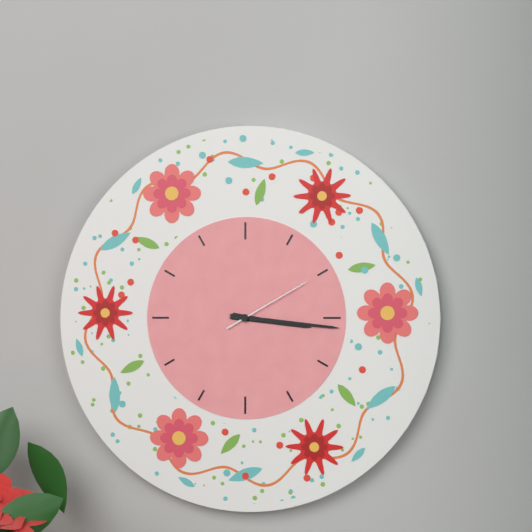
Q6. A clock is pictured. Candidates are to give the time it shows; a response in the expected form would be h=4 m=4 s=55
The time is h=3 m=16 s=10
